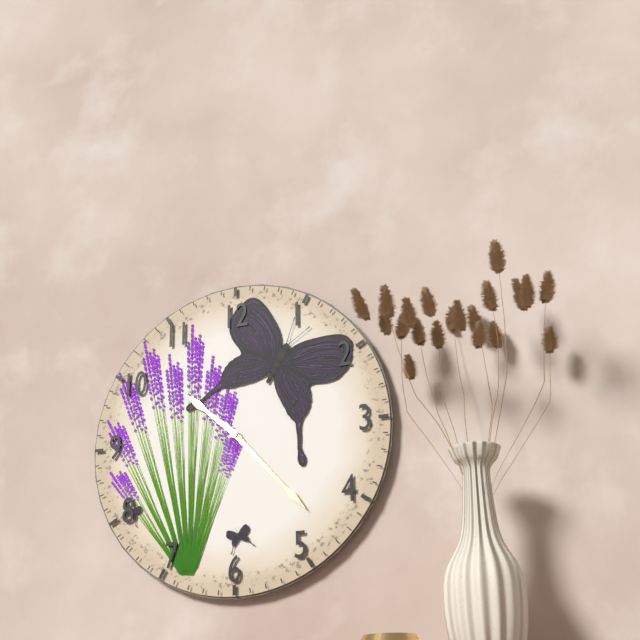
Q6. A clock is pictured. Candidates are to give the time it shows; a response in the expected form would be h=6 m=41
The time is h=10 m=23
